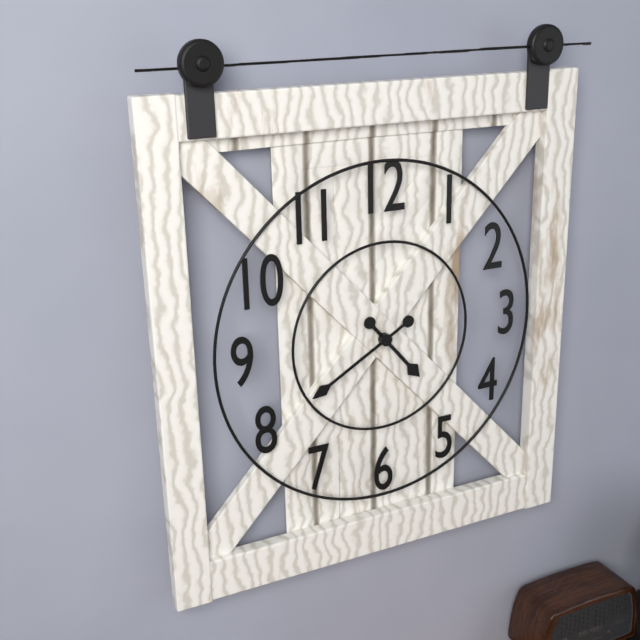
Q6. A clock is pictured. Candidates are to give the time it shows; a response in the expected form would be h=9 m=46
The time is h=4 m=40
